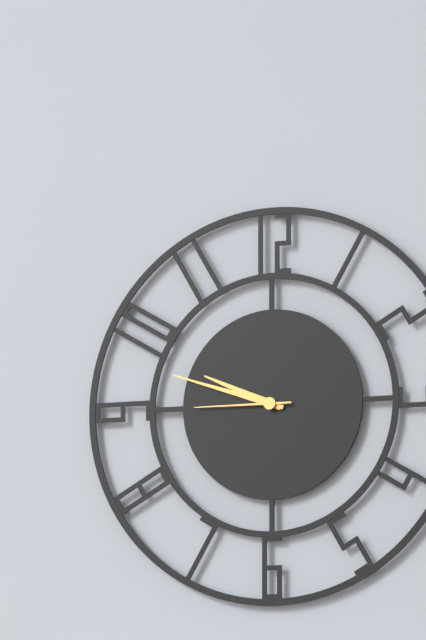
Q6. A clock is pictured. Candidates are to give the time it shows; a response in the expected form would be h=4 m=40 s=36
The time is h=9 m=48 s=45
